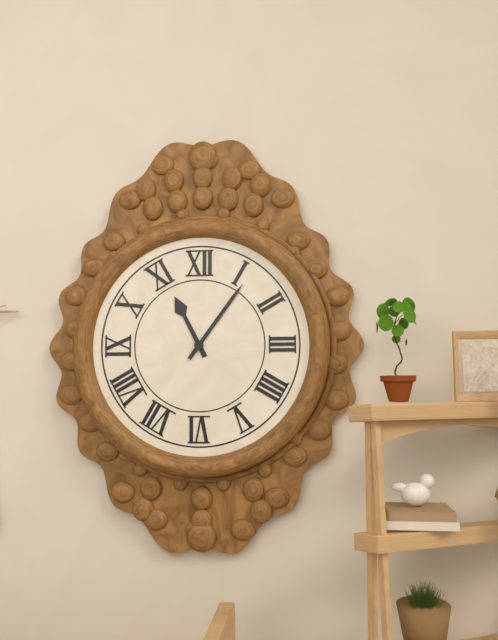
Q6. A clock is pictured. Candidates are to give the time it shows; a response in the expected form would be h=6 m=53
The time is h=11 m=6
